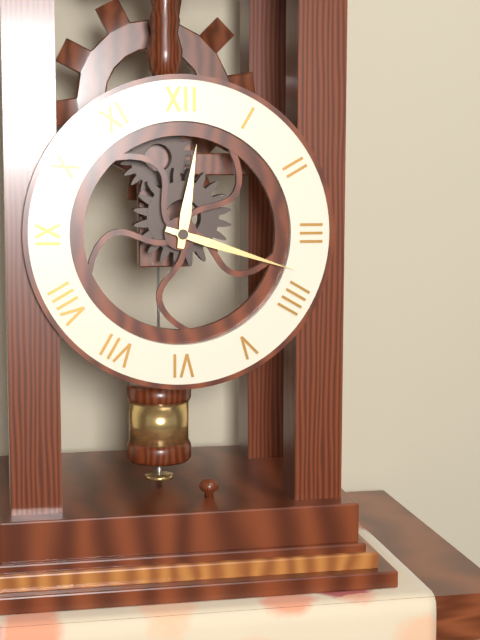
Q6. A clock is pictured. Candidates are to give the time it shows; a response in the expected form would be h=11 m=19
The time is h=12 m=18
